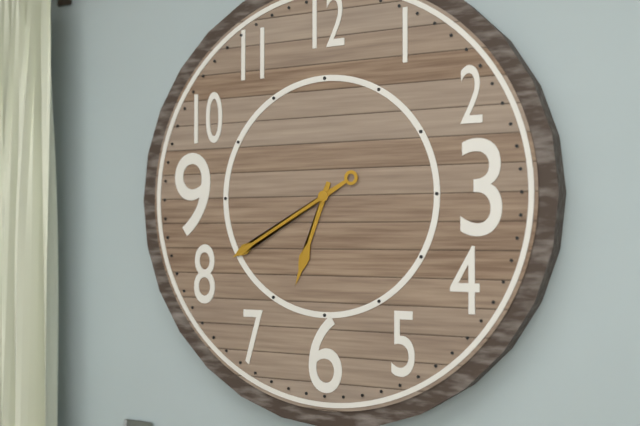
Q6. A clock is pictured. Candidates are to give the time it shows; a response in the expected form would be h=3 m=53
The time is h=6 m=40
